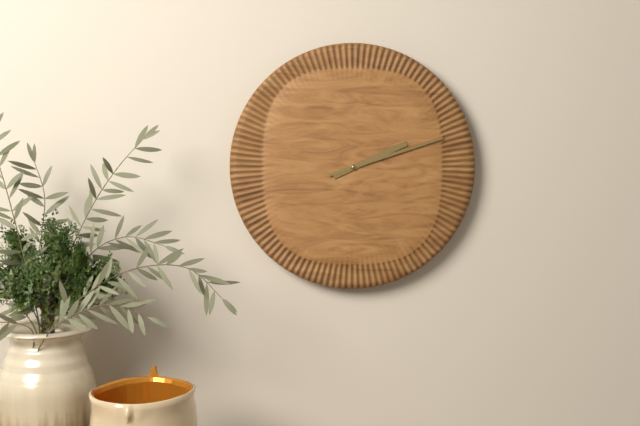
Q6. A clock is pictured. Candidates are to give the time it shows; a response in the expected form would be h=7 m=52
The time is h=2 m=12
